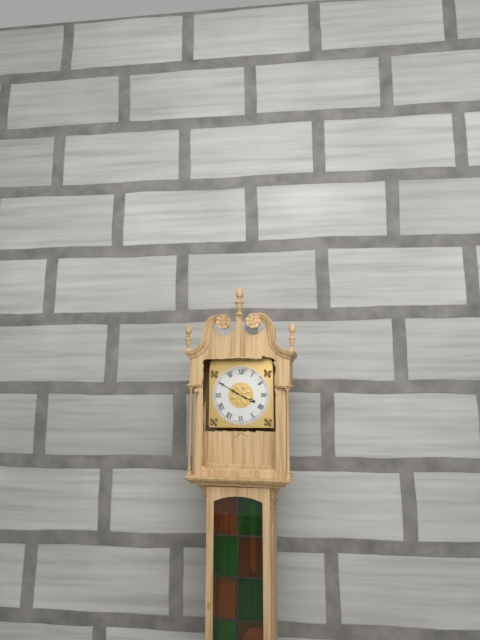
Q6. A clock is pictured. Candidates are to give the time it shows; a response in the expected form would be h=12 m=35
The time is h=3 m=50
